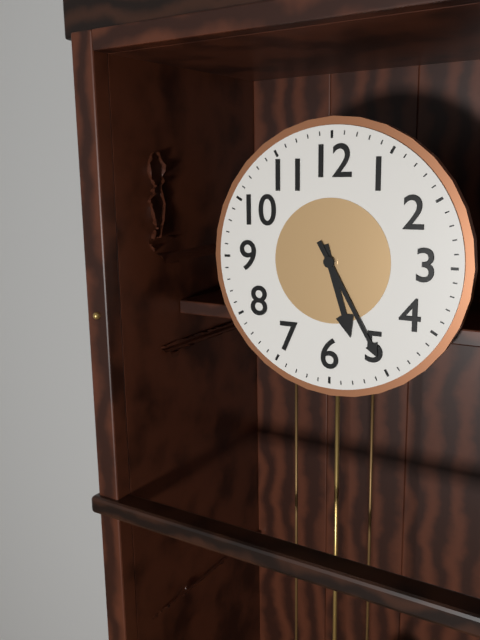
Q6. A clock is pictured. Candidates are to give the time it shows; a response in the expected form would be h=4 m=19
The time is h=5 m=25
